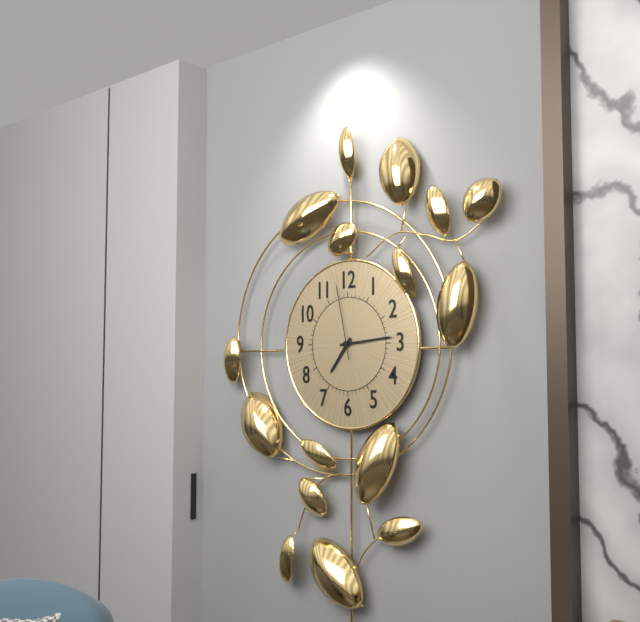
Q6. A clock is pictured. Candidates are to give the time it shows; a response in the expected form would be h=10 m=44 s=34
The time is h=7 m=14 s=58
